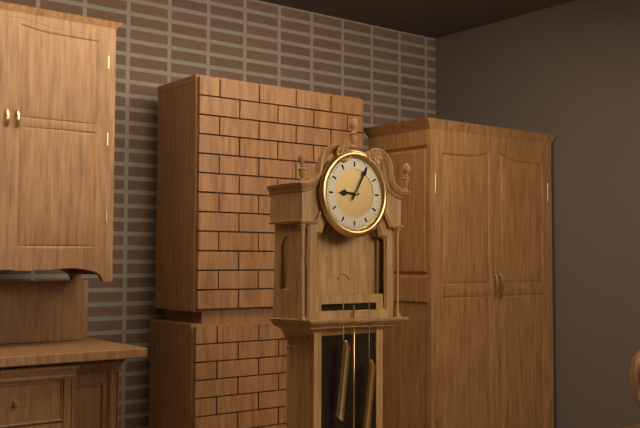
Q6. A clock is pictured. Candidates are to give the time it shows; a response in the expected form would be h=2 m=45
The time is h=9 m=5
